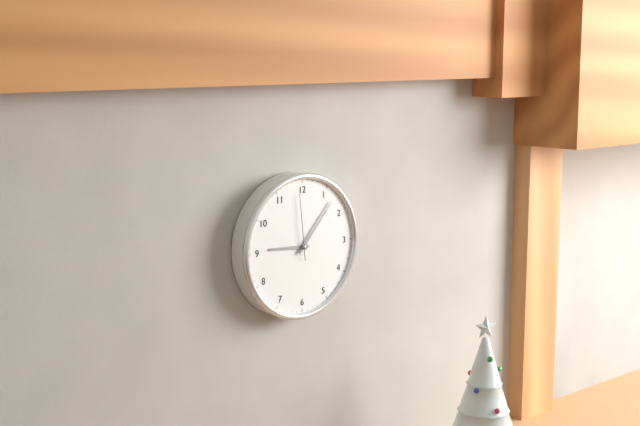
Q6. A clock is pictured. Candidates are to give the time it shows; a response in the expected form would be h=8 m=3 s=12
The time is h=9 m=7 s=59
